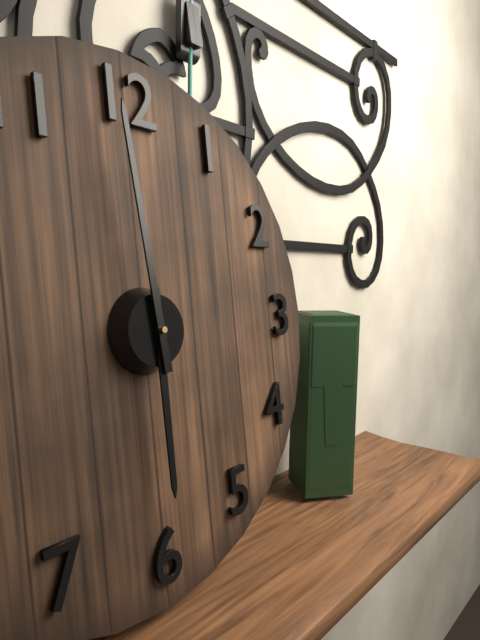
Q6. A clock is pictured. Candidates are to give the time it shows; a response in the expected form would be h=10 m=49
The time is h=5 m=59
